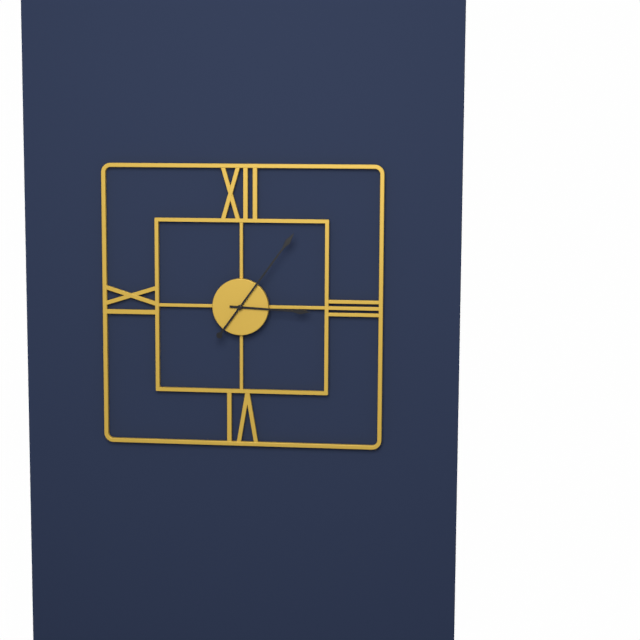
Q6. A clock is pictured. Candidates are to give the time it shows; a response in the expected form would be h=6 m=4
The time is h=3 m=6
